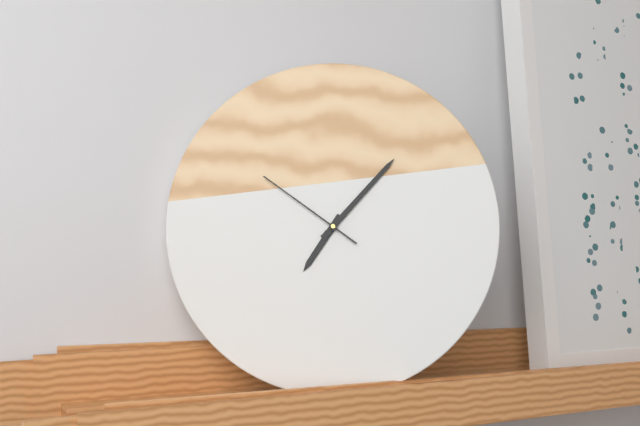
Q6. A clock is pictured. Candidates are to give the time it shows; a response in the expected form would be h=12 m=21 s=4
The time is h=7 m=7 s=51
